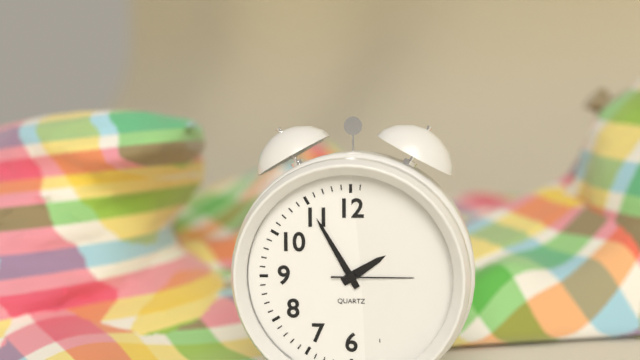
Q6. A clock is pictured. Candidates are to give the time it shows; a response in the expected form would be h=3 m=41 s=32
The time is h=1 m=55 s=15
